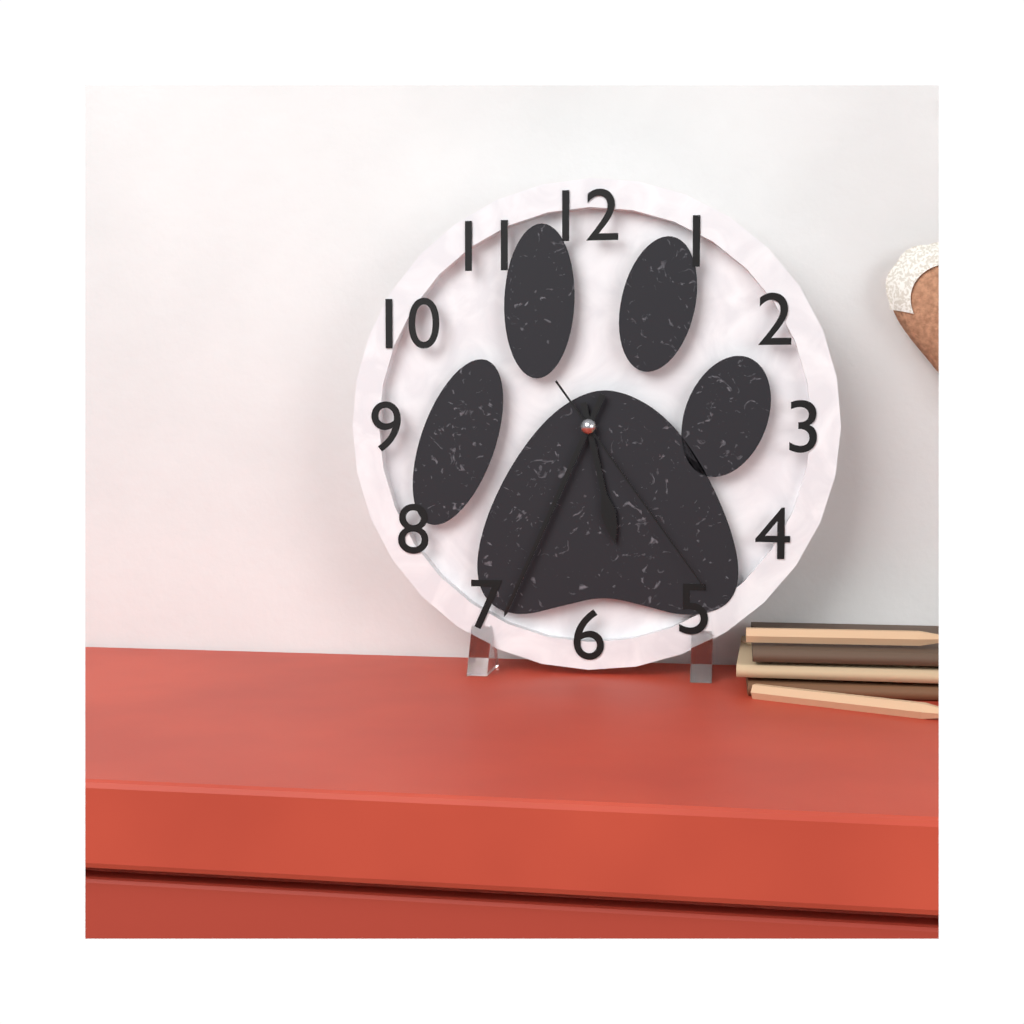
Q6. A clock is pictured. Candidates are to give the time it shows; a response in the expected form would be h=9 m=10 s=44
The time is h=5 m=34 s=24
